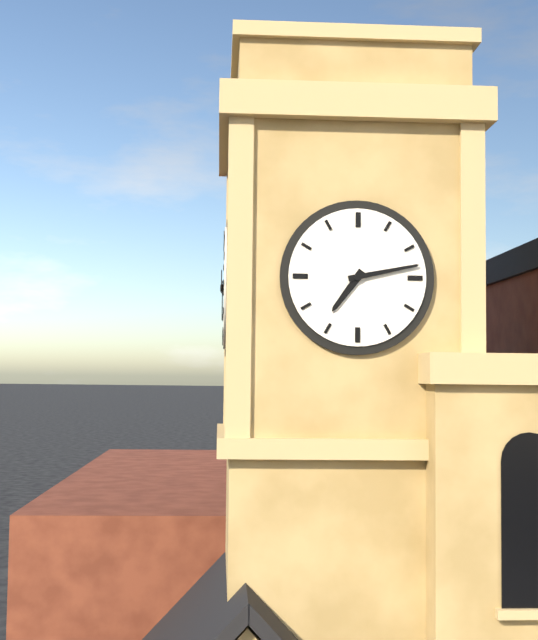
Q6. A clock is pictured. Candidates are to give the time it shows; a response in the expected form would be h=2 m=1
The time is h=7 m=13
